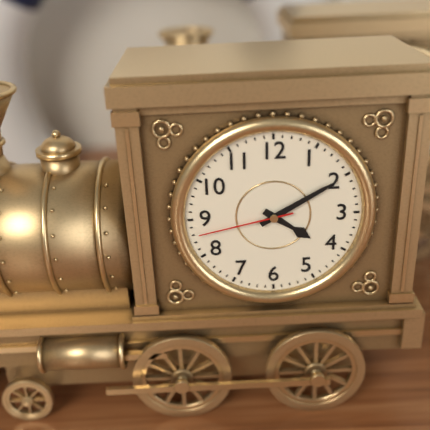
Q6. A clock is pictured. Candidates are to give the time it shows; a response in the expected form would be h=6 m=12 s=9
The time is h=4 m=10 s=43
